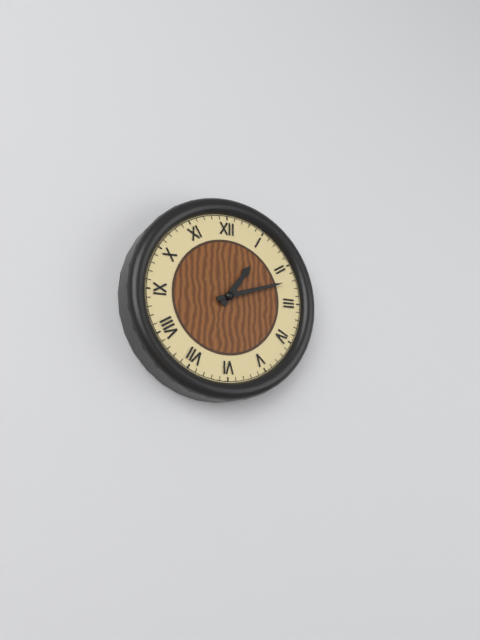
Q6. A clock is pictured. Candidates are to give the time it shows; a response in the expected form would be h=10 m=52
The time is h=1 m=12
